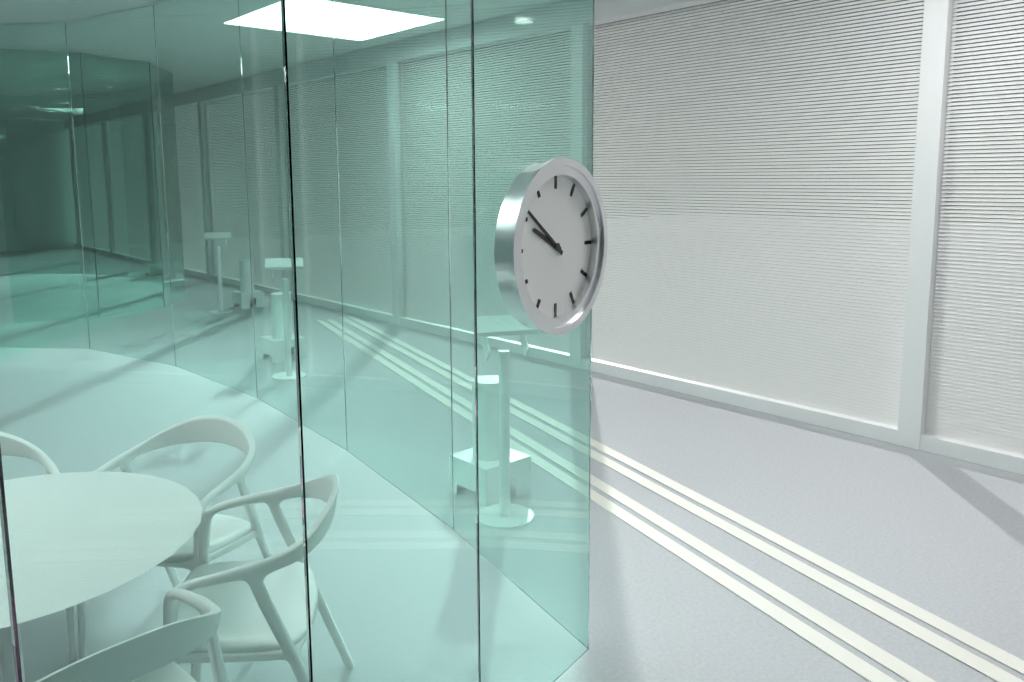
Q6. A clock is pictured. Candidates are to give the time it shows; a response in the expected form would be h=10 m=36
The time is h=9 m=51
